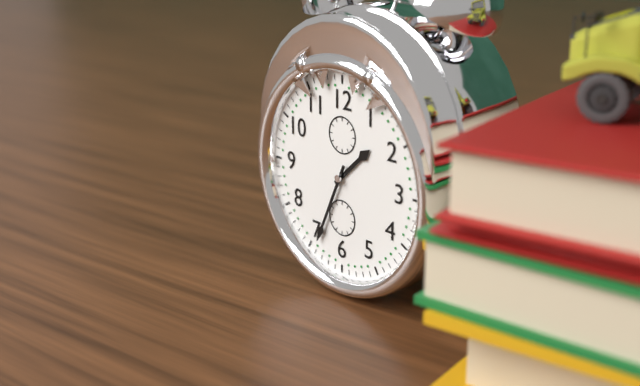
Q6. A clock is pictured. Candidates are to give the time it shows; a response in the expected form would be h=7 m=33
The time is h=1 m=34
